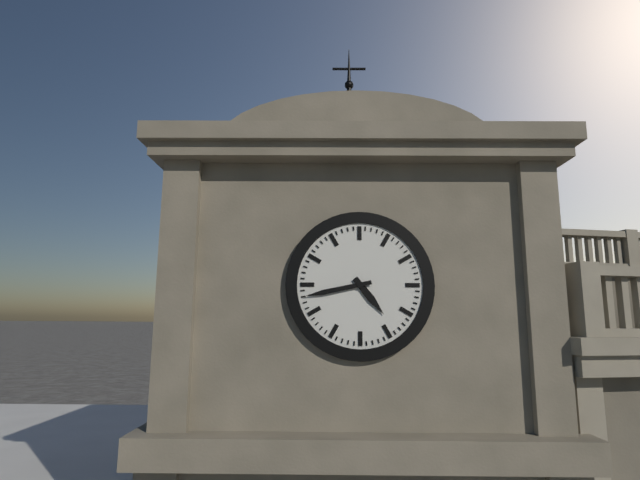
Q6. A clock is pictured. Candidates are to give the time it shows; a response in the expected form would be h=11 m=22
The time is h=4 m=43
